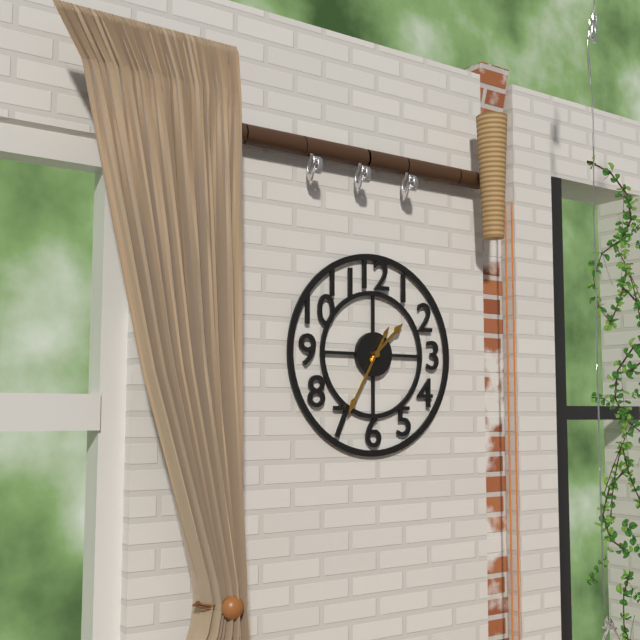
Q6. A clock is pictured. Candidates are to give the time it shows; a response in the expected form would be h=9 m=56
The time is h=1 m=35
